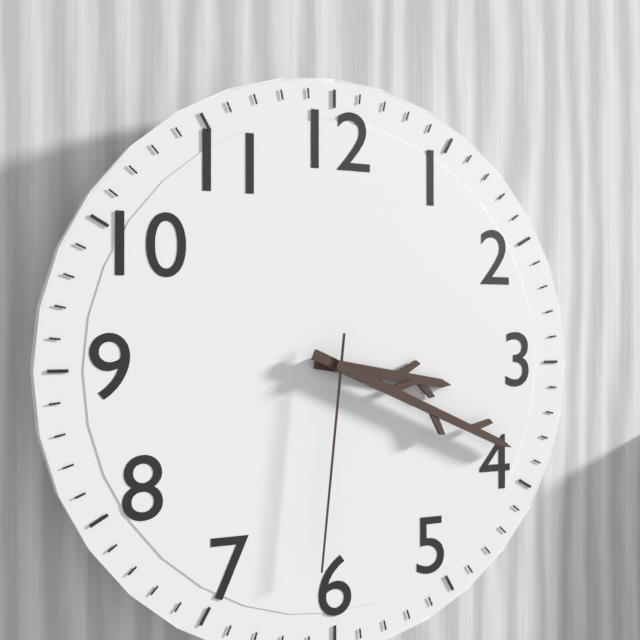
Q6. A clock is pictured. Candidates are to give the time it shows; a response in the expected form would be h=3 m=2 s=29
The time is h=3 m=19 s=31
